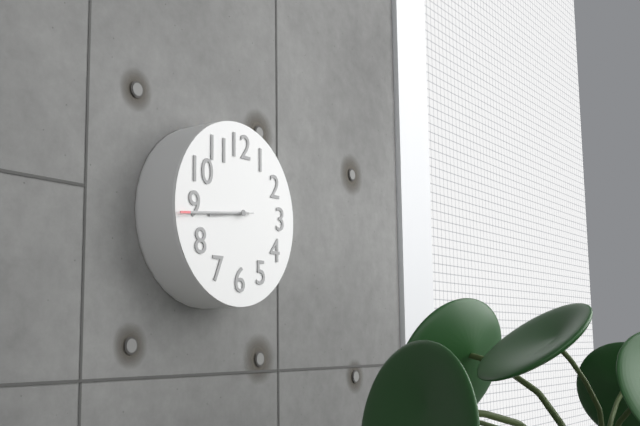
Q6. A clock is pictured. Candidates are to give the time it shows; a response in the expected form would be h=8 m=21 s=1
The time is h=8 m=44 s=44
